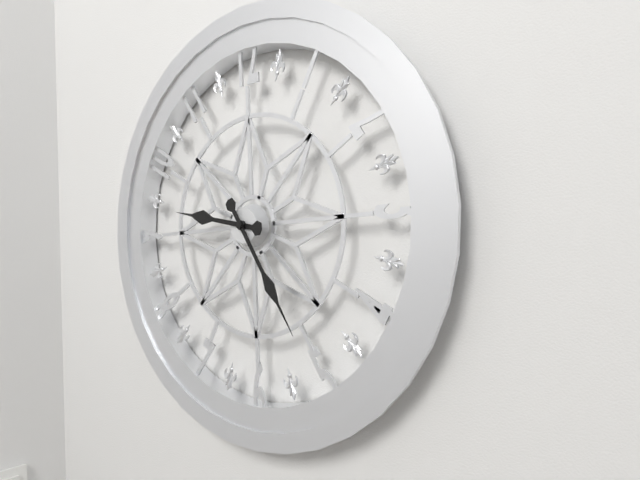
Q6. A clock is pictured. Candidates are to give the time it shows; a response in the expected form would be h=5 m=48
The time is h=9 m=25
